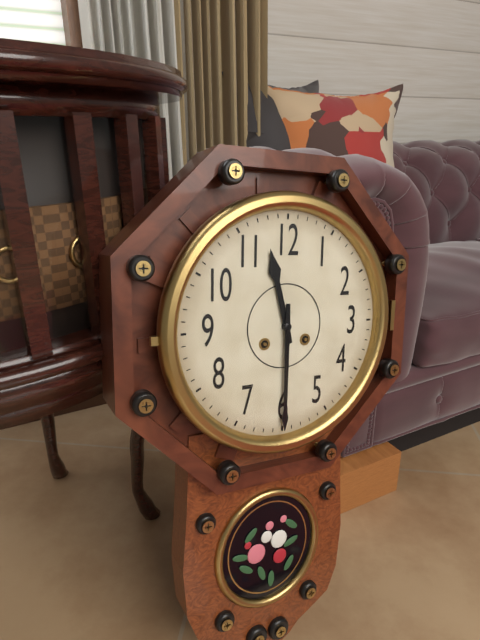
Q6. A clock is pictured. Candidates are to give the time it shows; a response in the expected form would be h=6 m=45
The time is h=11 m=30
